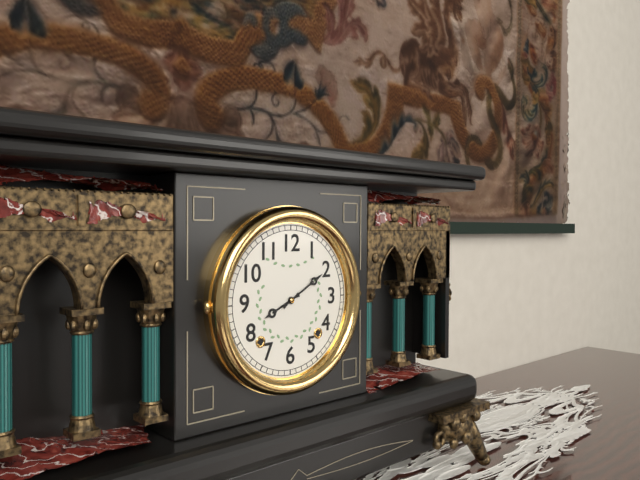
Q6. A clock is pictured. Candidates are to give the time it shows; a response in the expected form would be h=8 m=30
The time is h=8 m=10
